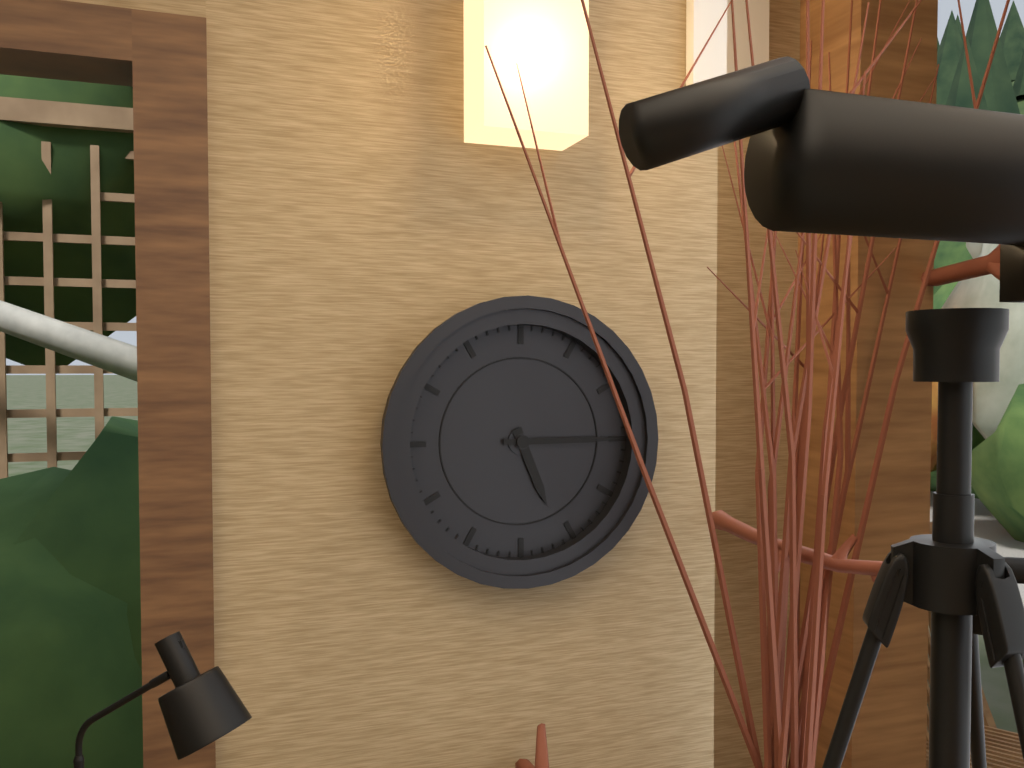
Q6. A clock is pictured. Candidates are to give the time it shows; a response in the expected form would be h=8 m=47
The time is h=5 m=15
